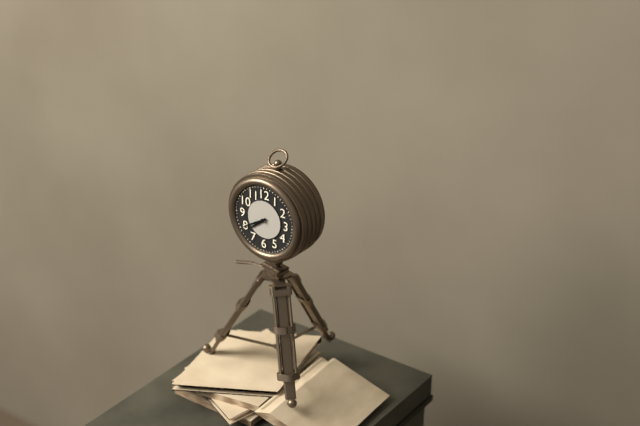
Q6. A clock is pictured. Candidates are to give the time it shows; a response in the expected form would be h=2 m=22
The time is h=7 m=40
